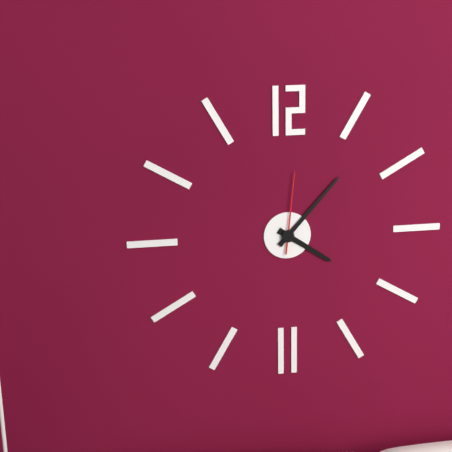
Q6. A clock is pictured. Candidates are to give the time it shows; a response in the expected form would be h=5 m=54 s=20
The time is h=4 m=7 s=1
